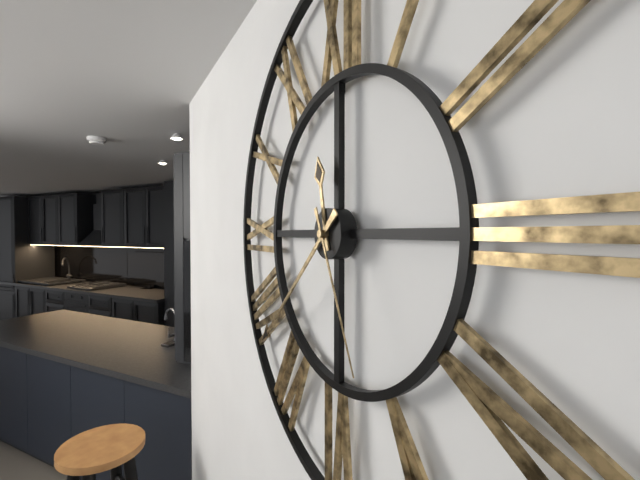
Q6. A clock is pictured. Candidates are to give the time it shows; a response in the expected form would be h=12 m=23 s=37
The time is h=11 m=38 s=26
